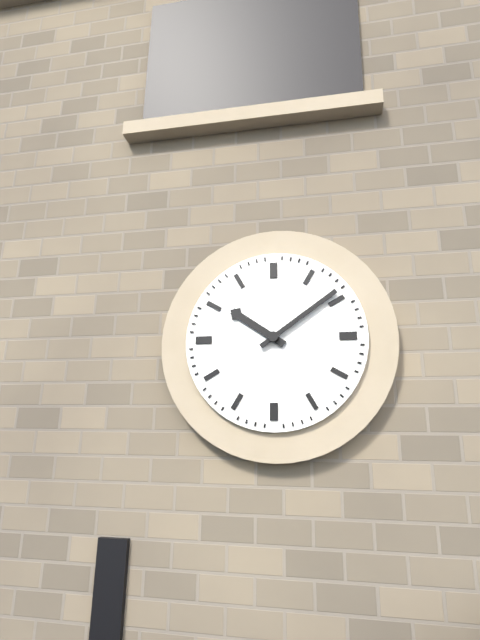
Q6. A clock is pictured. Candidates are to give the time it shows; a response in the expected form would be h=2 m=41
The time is h=10 m=9
